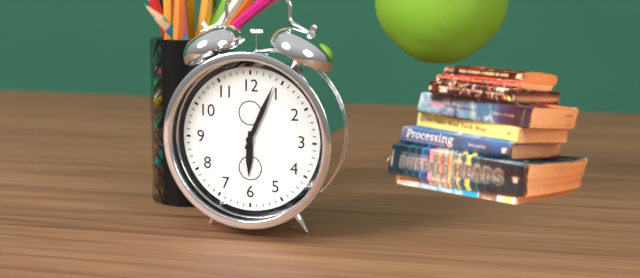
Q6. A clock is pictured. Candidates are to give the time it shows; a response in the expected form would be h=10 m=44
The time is h=6 m=4
